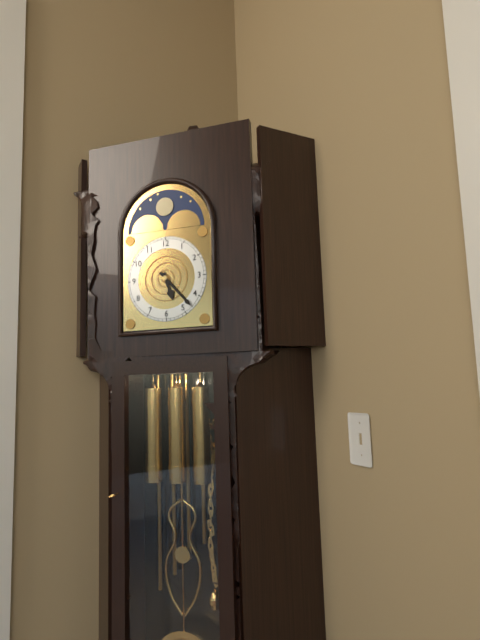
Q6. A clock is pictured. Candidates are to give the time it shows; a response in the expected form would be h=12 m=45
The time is h=5 m=23
